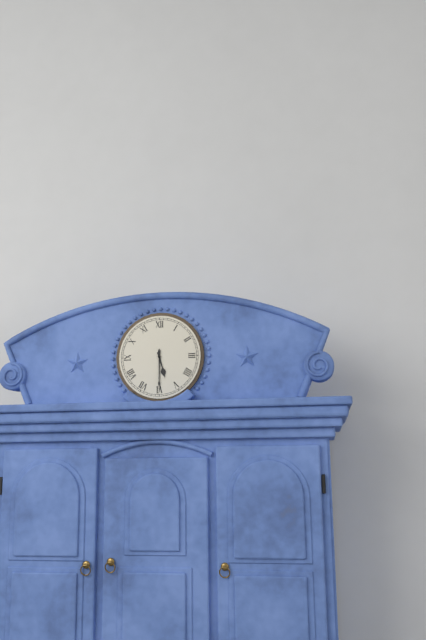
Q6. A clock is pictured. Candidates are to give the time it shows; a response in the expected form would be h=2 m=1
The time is h=5 m=30
